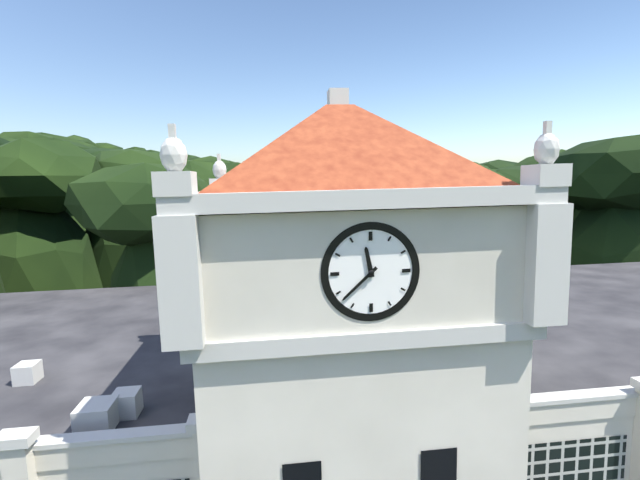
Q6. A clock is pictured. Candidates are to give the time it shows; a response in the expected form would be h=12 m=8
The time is h=11 m=38
